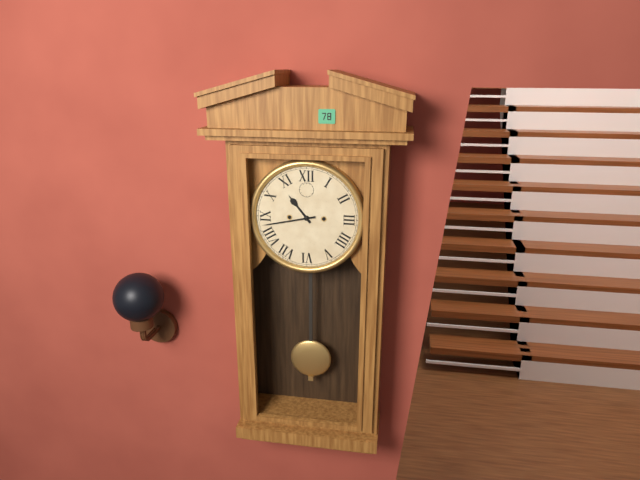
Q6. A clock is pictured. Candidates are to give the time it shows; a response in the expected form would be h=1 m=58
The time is h=10 m=43
